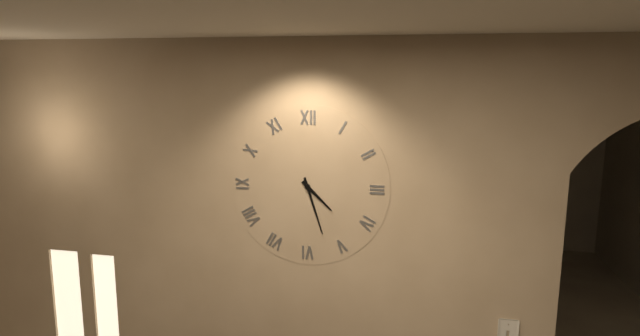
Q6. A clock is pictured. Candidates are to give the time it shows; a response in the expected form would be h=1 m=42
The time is h=4 m=27
